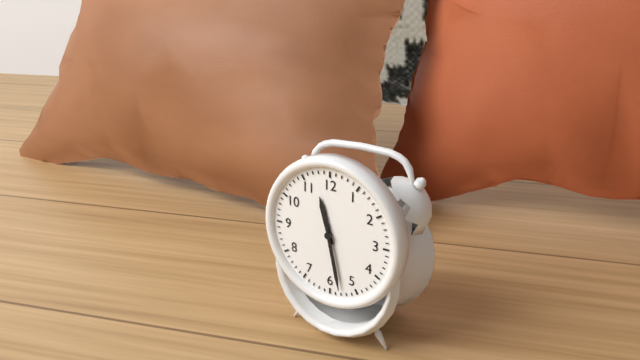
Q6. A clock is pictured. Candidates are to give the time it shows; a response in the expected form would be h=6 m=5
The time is h=11 m=28
